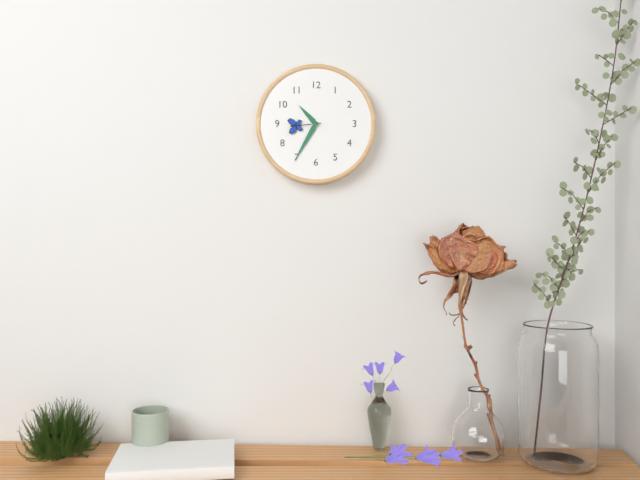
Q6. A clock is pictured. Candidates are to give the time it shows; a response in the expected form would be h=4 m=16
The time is h=10 m=35
